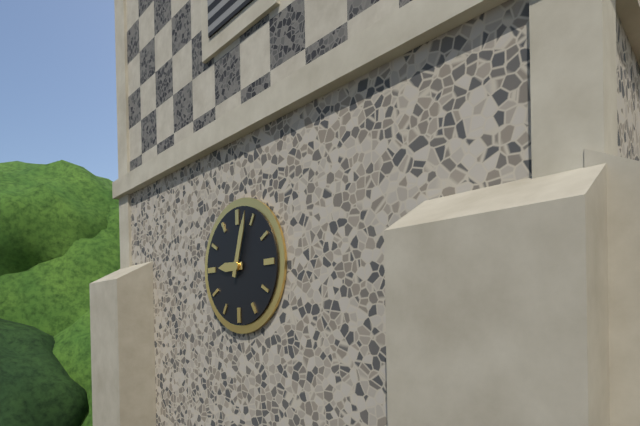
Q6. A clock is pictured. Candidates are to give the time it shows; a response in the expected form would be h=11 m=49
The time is h=9 m=3
